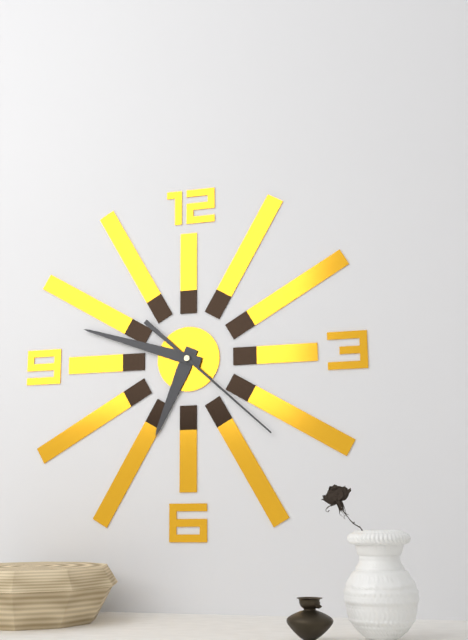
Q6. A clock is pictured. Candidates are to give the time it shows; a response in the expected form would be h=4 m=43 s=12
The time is h=6 m=48 s=22
